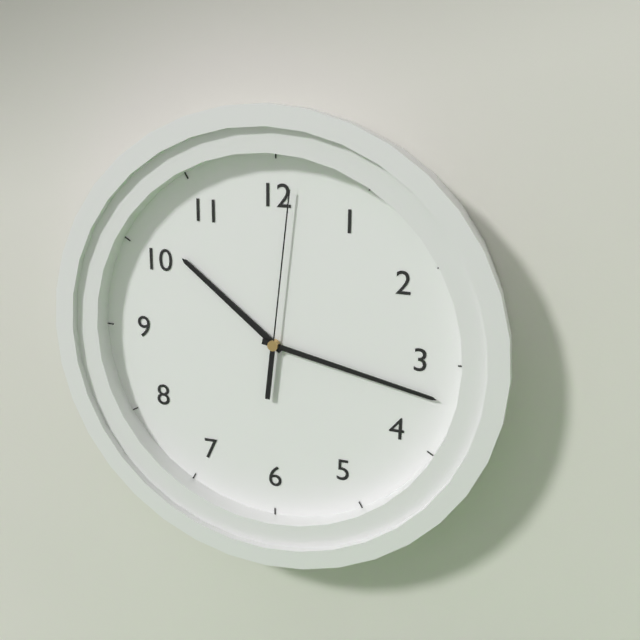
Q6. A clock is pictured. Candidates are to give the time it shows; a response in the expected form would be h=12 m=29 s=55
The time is h=10 m=17 s=1
